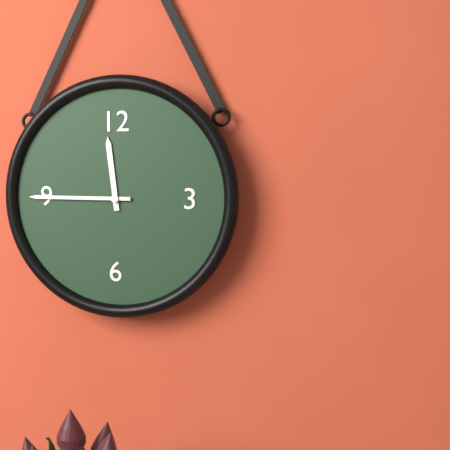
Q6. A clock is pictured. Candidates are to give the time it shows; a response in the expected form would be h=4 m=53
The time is h=11 m=45
